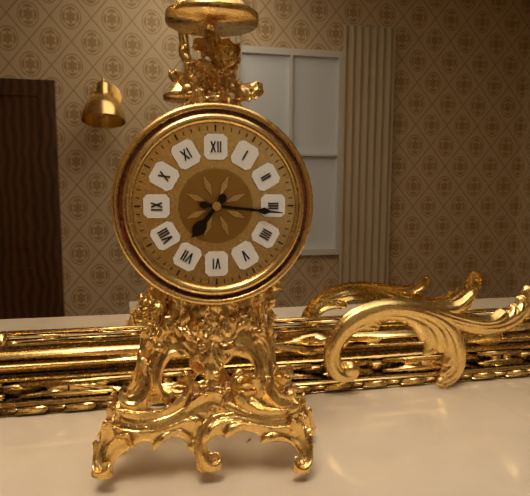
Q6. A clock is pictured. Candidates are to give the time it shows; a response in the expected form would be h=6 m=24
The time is h=7 m=16
